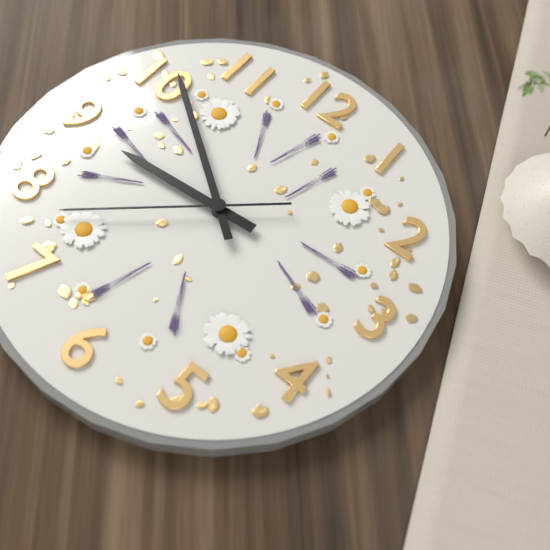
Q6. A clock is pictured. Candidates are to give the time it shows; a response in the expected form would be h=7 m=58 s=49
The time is h=8 m=51 s=38
